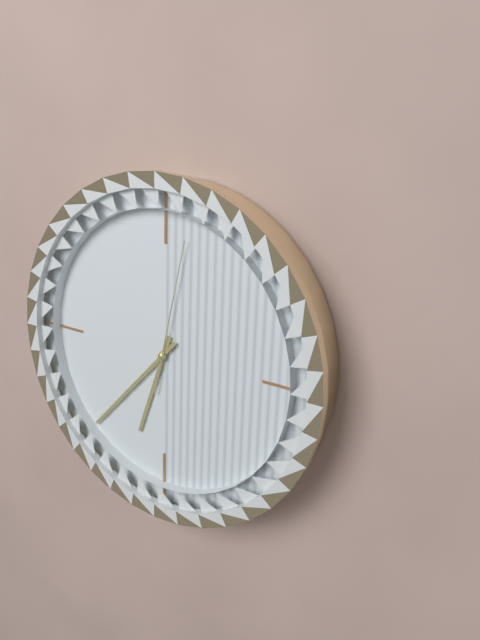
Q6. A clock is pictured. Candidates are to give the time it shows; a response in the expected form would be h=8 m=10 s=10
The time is h=6 m=37 s=2
